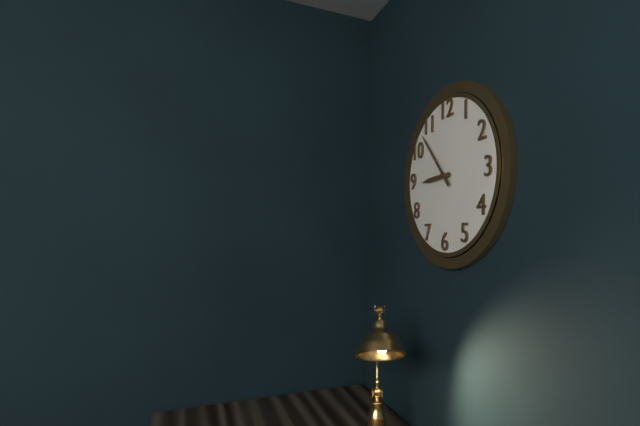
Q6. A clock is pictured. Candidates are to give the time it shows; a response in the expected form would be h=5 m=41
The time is h=8 m=53
